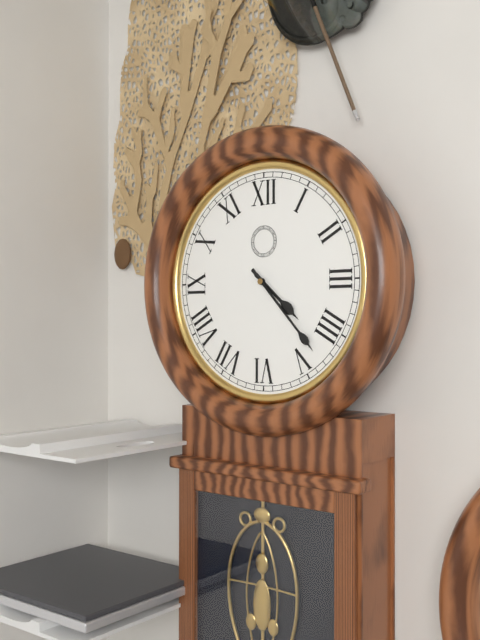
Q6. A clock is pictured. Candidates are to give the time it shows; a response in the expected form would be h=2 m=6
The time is h=4 m=23
